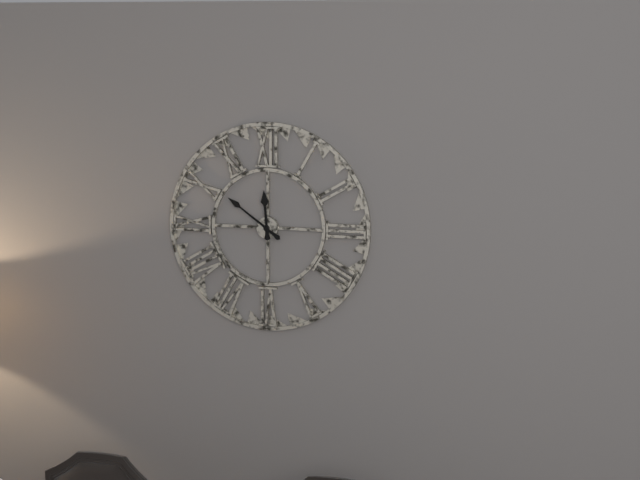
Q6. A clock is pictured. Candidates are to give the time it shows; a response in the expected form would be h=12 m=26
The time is h=11 m=51
